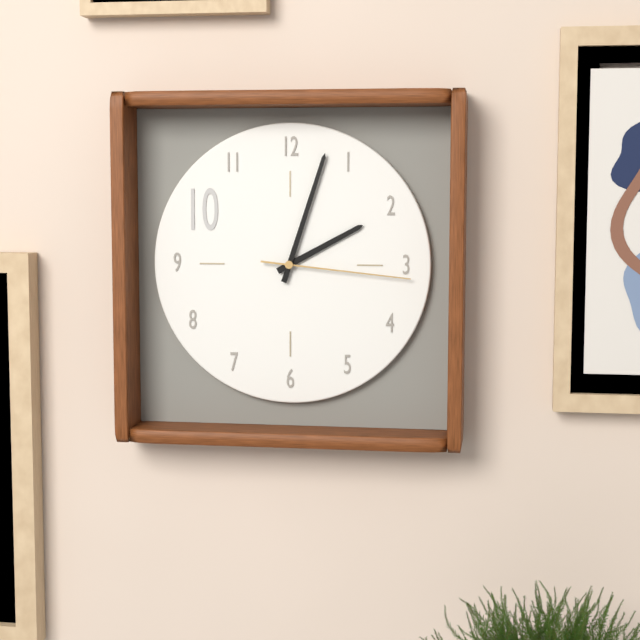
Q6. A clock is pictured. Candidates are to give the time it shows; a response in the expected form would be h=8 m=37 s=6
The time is h=2 m=3 s=16
